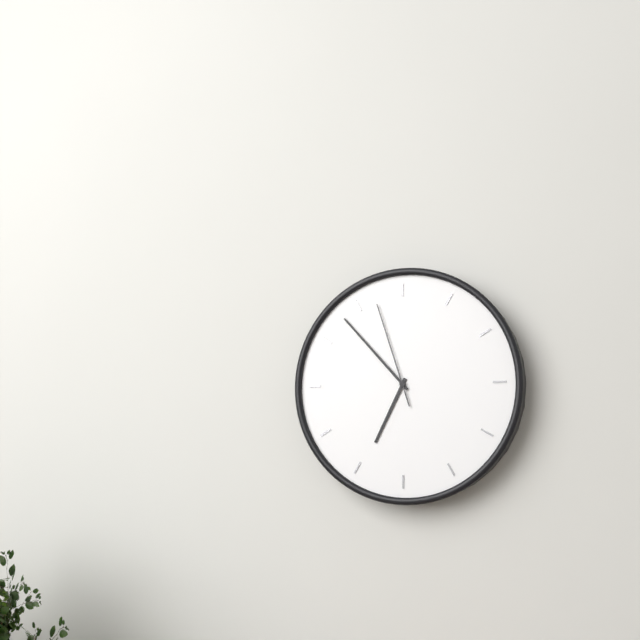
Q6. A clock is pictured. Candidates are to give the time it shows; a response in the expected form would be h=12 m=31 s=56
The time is h=6 m=53 s=57
